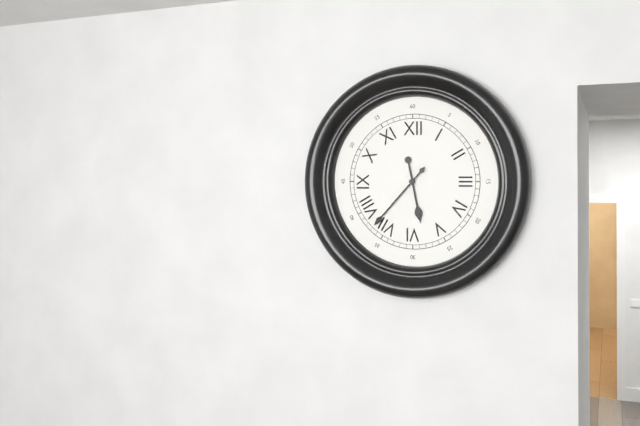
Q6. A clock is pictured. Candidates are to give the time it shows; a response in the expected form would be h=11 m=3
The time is h=5 m=37
